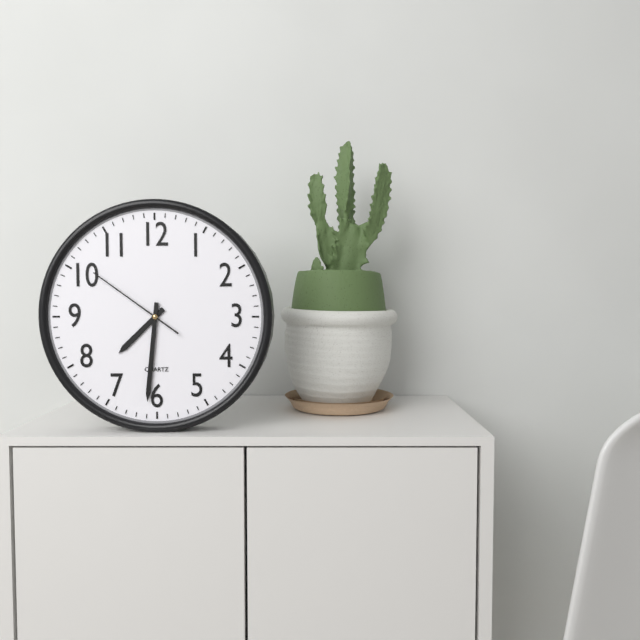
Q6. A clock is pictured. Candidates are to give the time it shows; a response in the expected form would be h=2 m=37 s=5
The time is h=7 m=31 s=51
